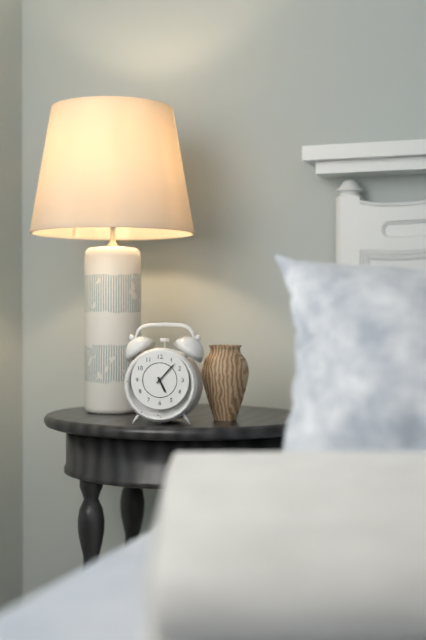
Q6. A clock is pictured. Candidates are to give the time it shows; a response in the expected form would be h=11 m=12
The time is h=5 m=7
